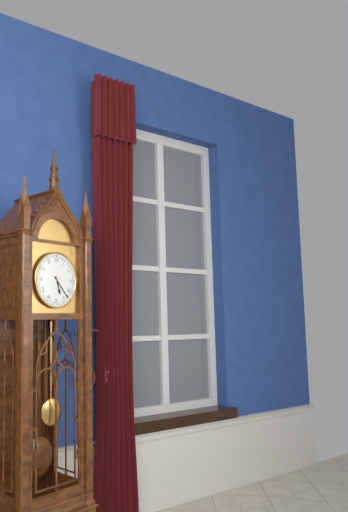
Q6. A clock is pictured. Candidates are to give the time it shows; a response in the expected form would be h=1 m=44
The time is h=5 m=23
